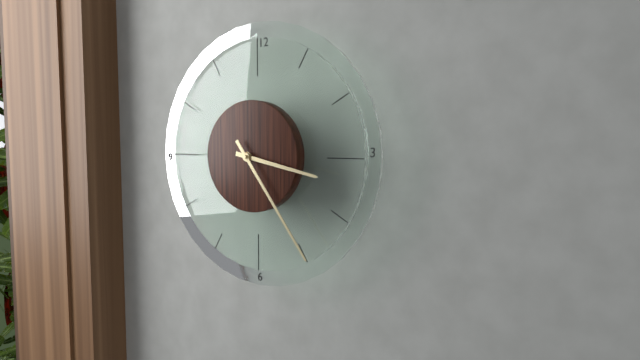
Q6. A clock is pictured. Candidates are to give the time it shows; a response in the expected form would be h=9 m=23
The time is h=3 m=24
